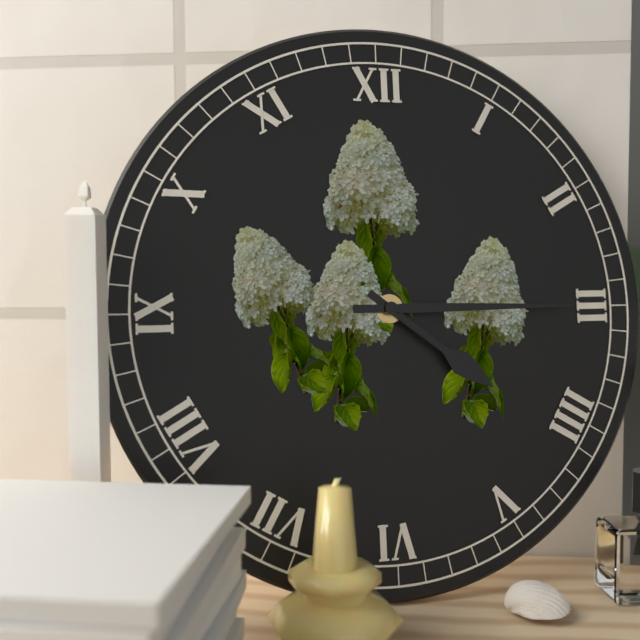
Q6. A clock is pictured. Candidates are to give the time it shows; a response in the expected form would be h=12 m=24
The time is h=4 m=15
